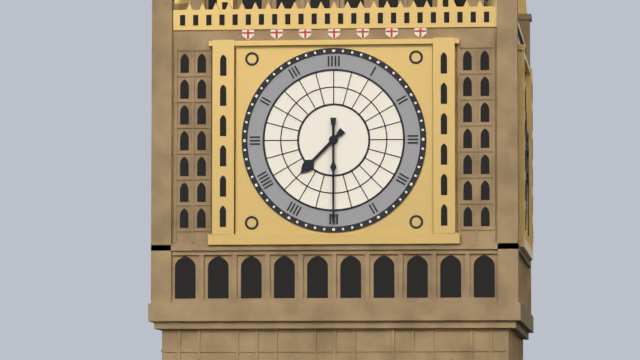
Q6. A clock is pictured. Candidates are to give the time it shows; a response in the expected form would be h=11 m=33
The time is h=7 m=30
